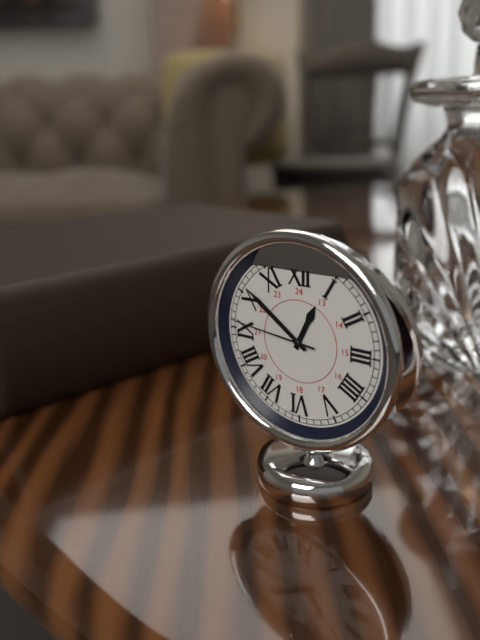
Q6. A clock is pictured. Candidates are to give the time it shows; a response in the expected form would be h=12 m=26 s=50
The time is h=12 m=51 s=46
